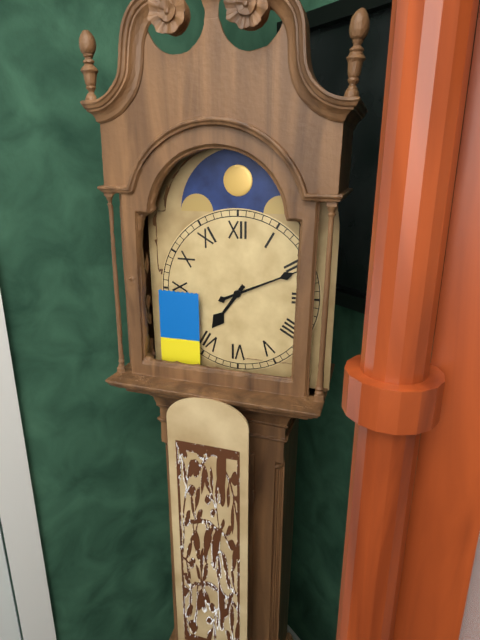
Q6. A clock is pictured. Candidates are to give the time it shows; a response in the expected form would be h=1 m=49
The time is h=7 m=11
